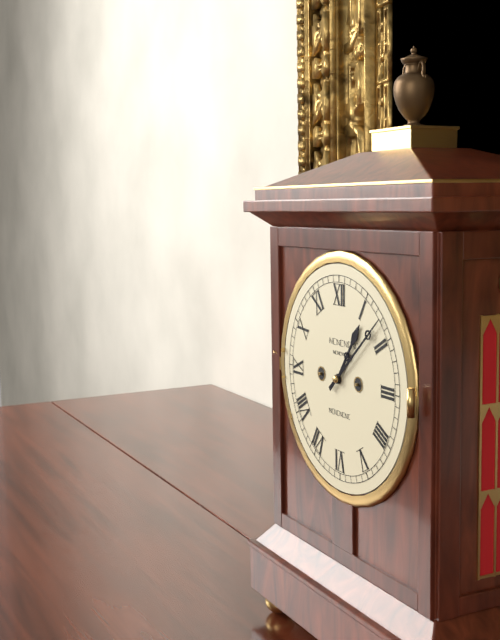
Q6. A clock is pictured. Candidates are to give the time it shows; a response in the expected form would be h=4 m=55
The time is h=1 m=8
